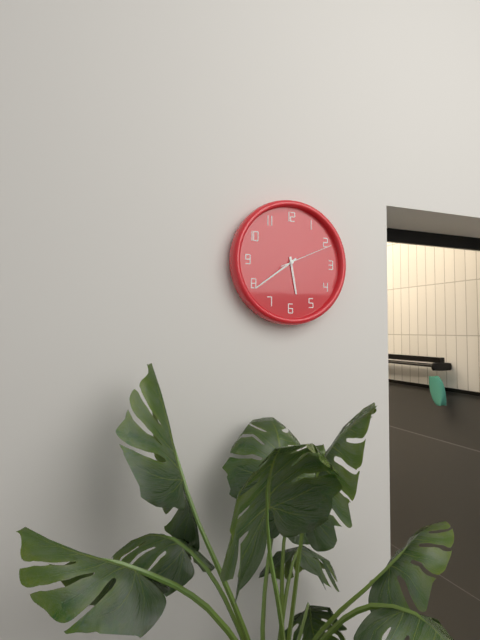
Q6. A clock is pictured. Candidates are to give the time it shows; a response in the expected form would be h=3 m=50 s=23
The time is h=5 m=39 s=11
